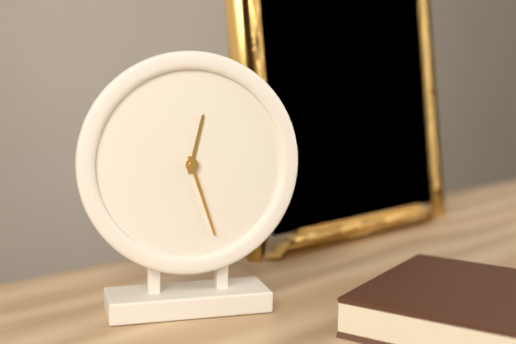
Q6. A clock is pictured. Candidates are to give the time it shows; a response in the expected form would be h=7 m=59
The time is h=12 m=27
